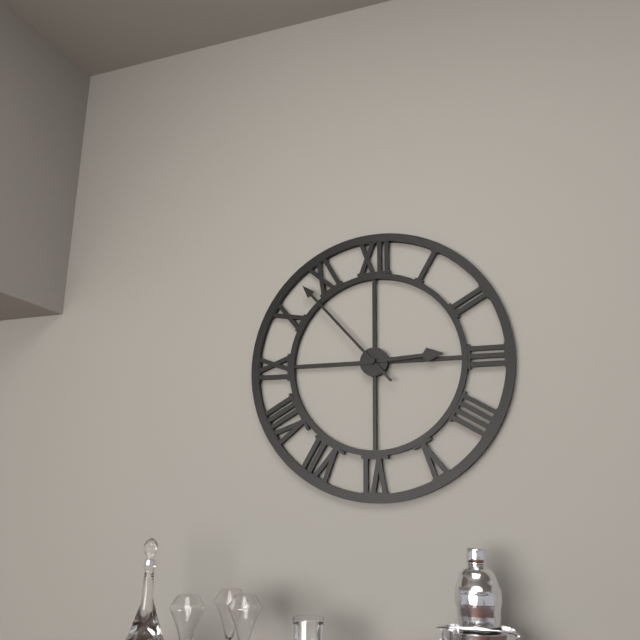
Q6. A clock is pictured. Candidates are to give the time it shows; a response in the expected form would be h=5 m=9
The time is h=2 m=53
